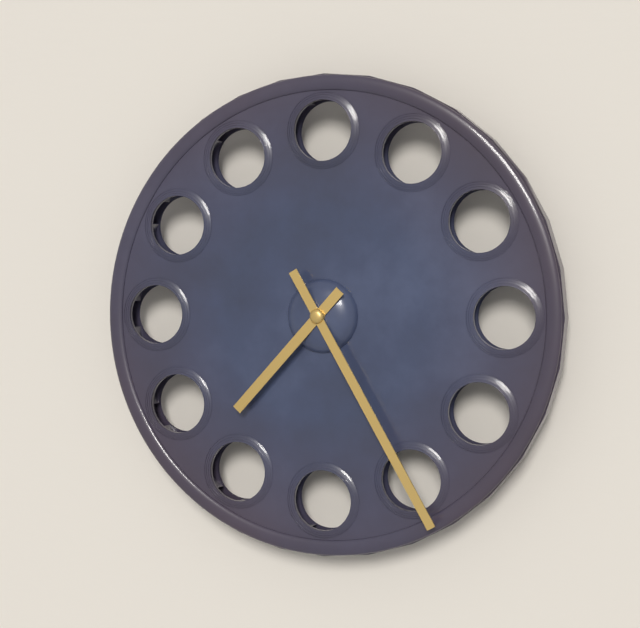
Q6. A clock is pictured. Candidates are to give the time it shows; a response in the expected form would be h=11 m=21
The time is h=7 m=25
